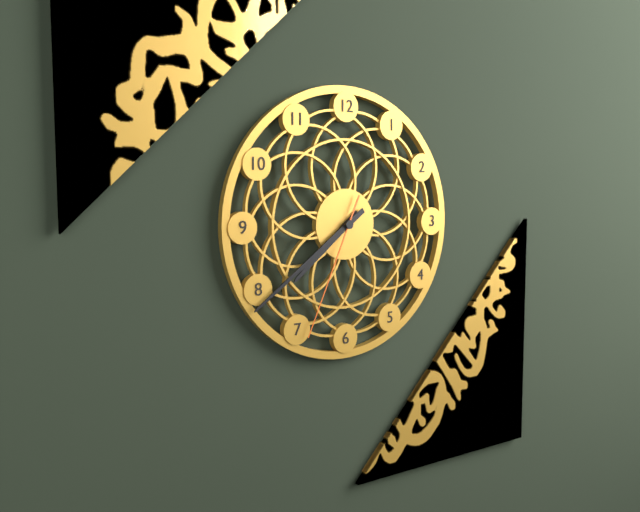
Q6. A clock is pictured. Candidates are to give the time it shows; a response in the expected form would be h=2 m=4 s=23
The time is h=7 m=39 s=34
